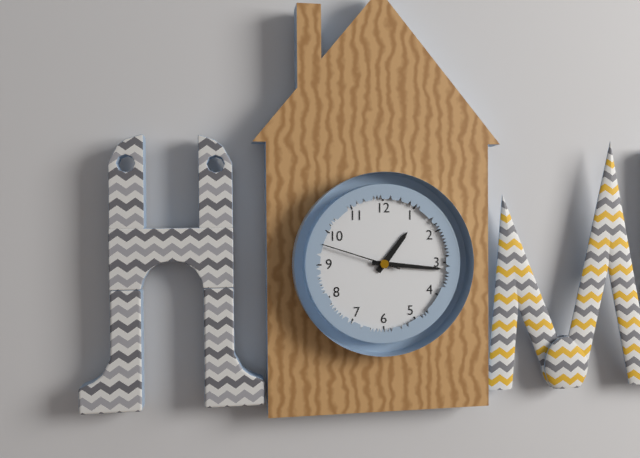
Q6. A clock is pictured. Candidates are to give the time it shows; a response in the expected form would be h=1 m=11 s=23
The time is h=1 m=16 s=48
